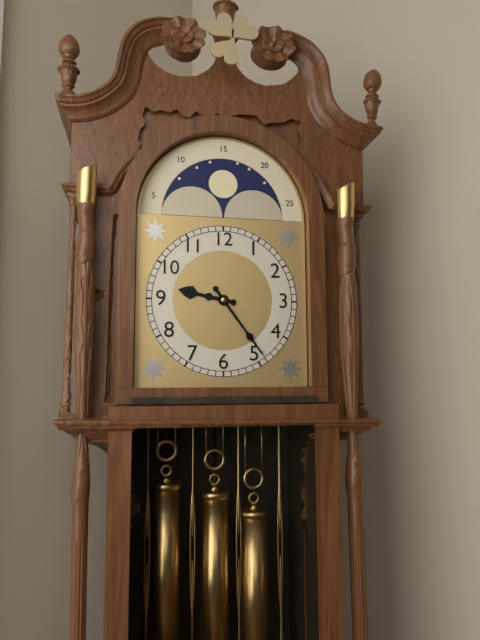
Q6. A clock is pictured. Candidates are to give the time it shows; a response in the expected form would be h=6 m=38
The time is h=9 m=24
